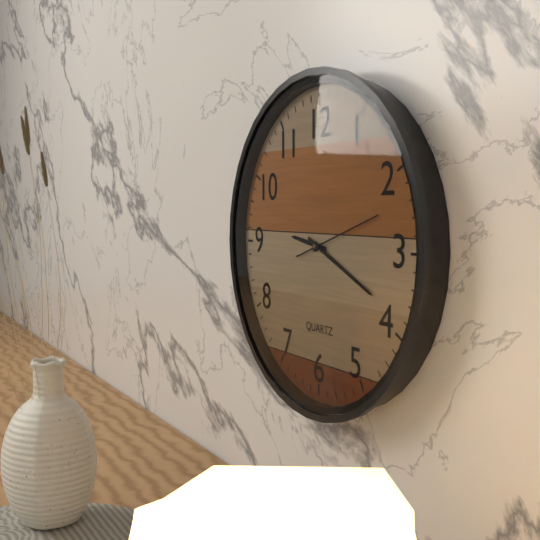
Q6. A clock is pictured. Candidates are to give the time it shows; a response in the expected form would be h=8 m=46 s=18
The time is h=9 m=19 s=12
